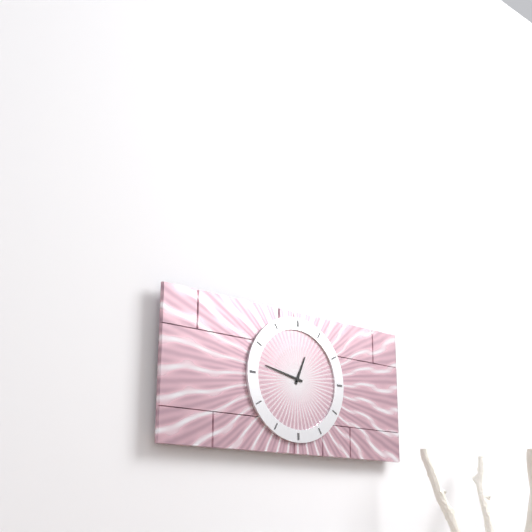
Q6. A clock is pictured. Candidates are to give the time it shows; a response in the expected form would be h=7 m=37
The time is h=12 m=47
